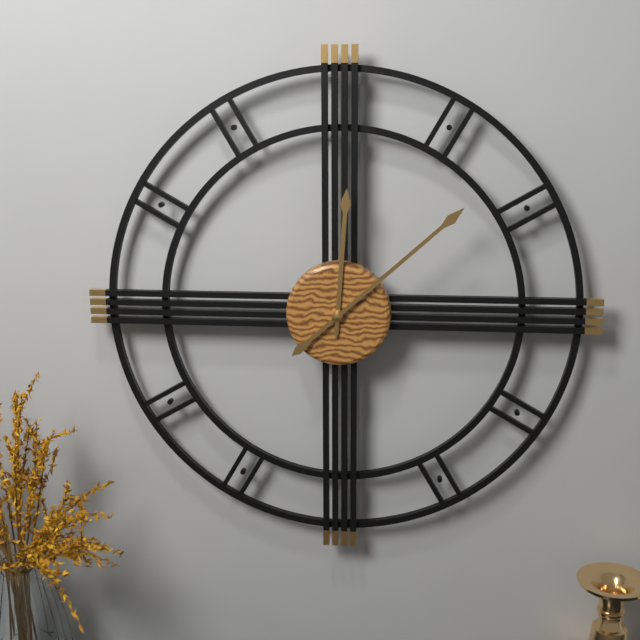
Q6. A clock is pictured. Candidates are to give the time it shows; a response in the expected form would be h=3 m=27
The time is h=12 m=8
